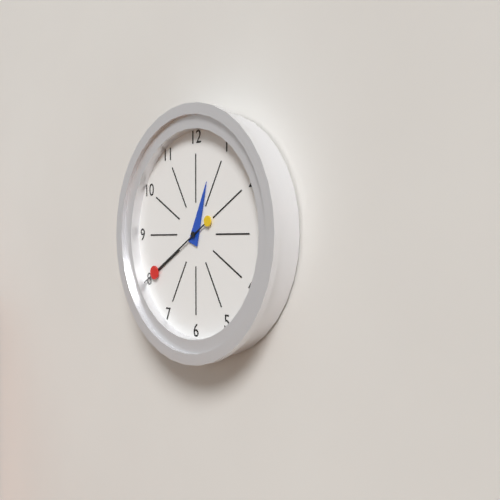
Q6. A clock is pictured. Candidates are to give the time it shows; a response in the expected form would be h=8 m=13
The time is h=12 m=40
